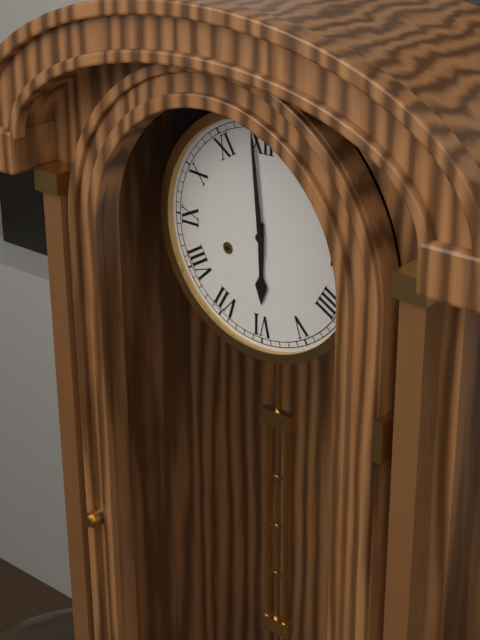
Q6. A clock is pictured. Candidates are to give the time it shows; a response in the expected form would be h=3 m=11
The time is h=5 m=59
